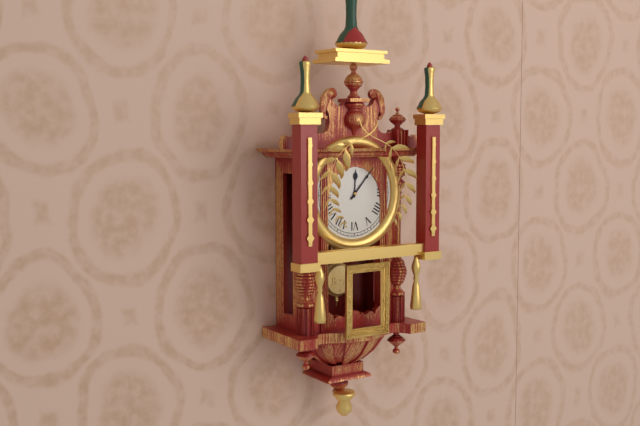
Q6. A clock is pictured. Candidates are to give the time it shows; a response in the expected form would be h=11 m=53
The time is h=12 m=7
